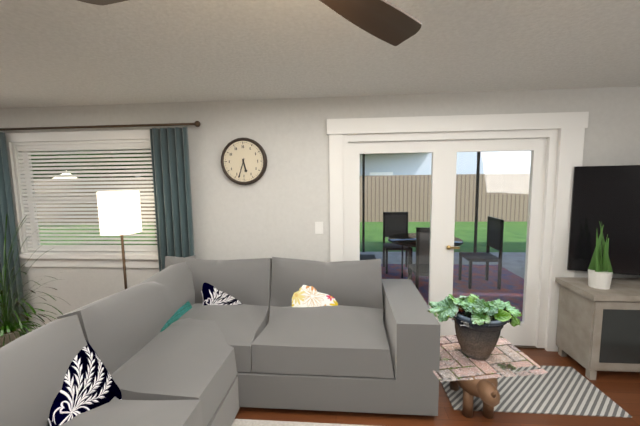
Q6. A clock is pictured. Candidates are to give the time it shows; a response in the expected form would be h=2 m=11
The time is h=5 m=33
